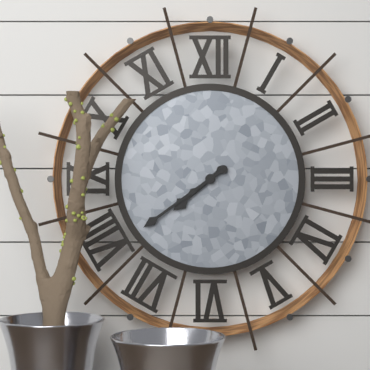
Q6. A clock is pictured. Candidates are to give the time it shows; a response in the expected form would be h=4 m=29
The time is h=7 m=39
